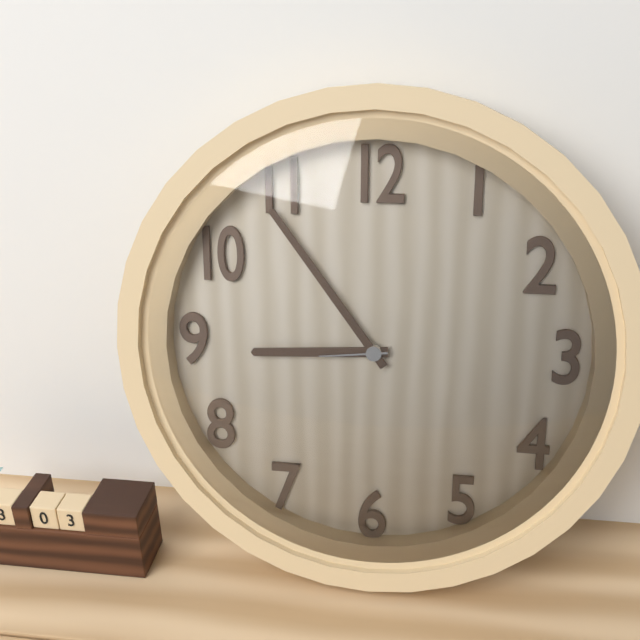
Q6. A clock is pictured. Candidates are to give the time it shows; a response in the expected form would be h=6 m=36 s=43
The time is h=8 m=54 s=44
